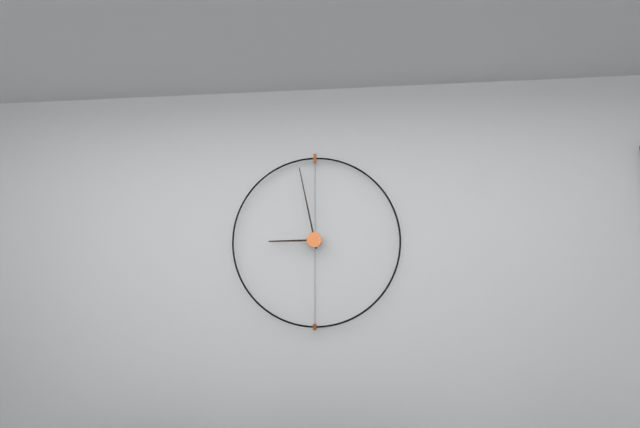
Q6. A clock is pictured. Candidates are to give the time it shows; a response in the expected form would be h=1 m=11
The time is h=8 m=58
